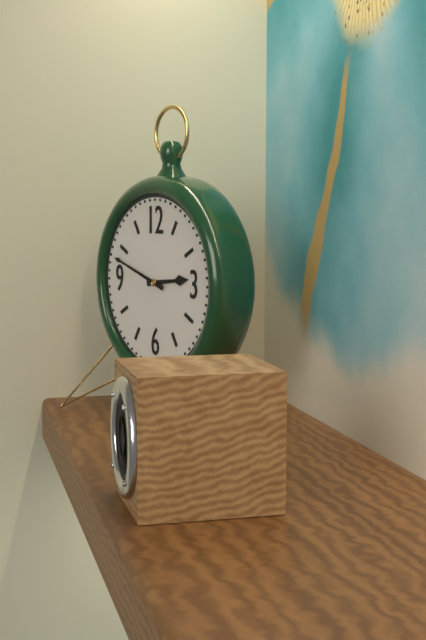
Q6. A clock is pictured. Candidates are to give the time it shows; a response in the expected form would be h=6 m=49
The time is h=2 m=48
